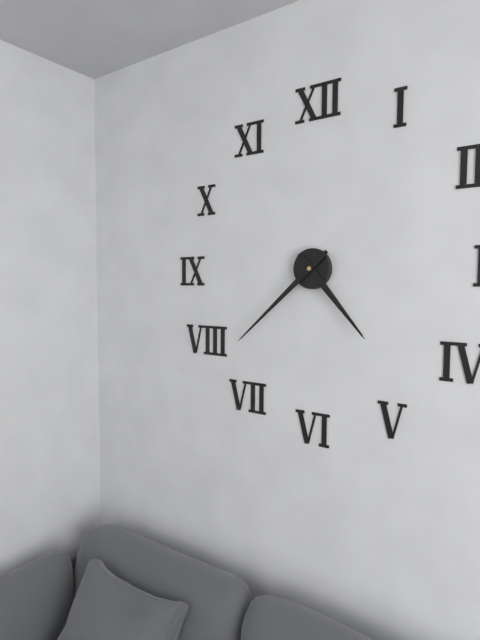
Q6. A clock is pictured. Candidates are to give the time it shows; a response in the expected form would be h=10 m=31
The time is h=4 m=38
